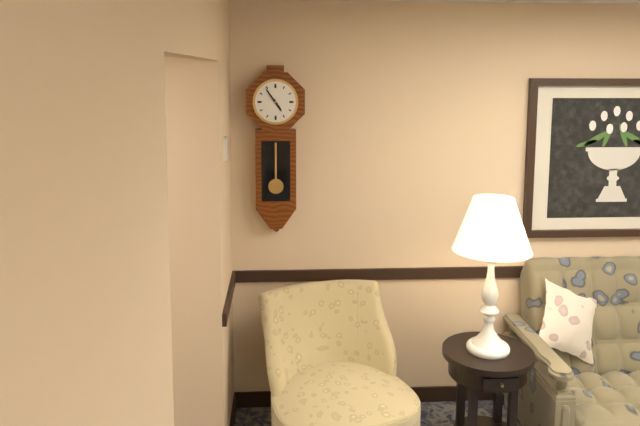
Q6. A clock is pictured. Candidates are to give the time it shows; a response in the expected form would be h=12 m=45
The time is h=4 m=54
